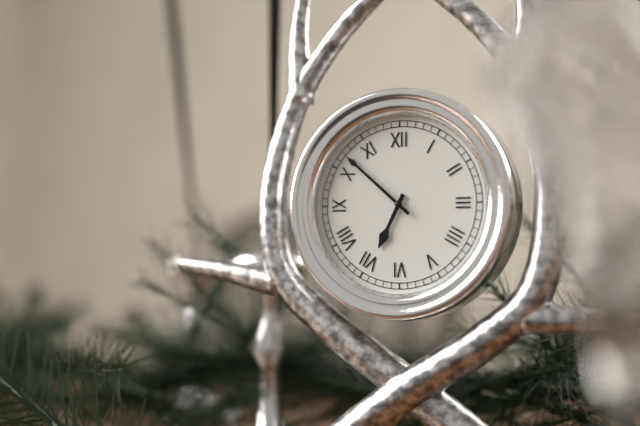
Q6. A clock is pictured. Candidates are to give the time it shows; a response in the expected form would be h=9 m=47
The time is h=6 m=52
